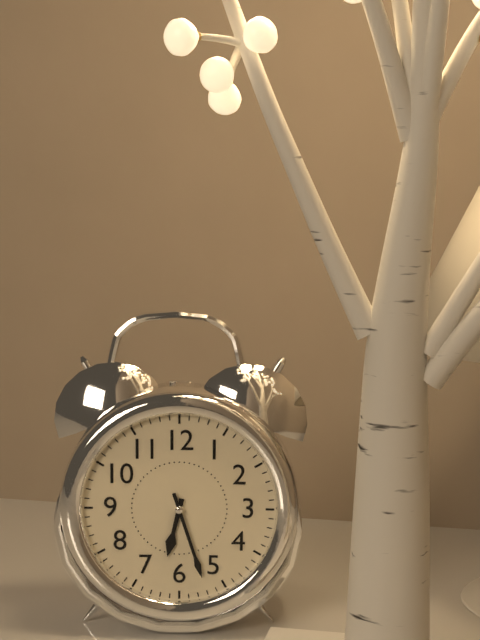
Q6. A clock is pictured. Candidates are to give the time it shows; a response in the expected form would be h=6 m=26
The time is h=6 m=27
